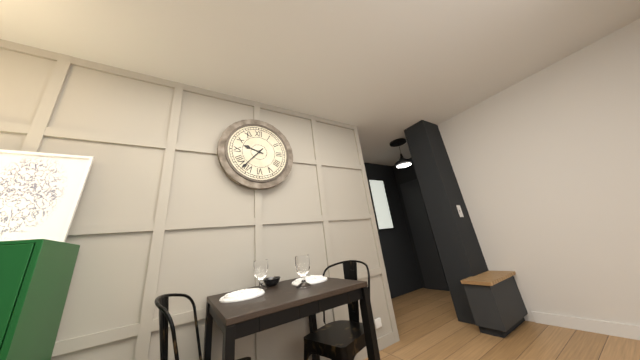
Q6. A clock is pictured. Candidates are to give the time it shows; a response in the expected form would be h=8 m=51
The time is h=9 m=37
